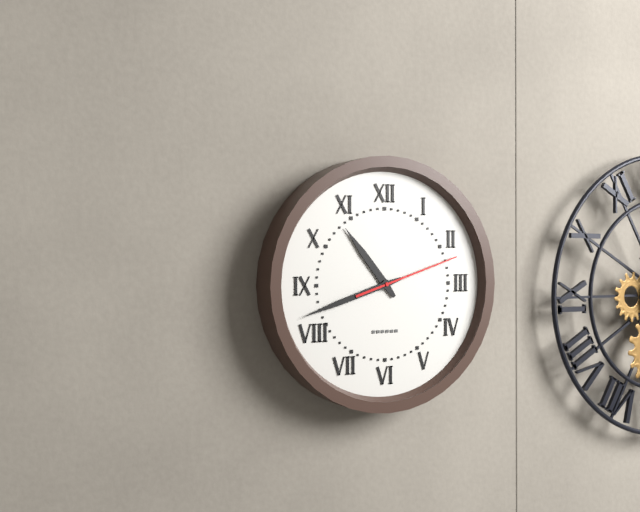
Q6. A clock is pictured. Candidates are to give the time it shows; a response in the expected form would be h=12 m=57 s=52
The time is h=10 m=42 s=12
